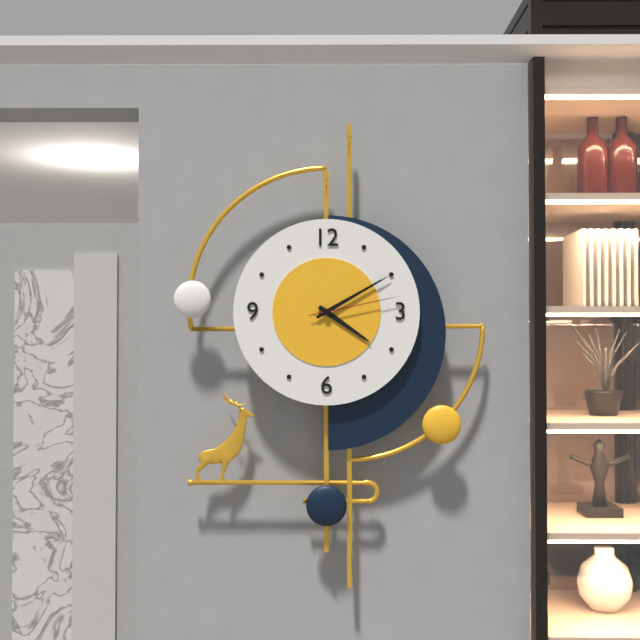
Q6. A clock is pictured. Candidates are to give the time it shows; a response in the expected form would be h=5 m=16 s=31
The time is h=4 m=10 s=13
